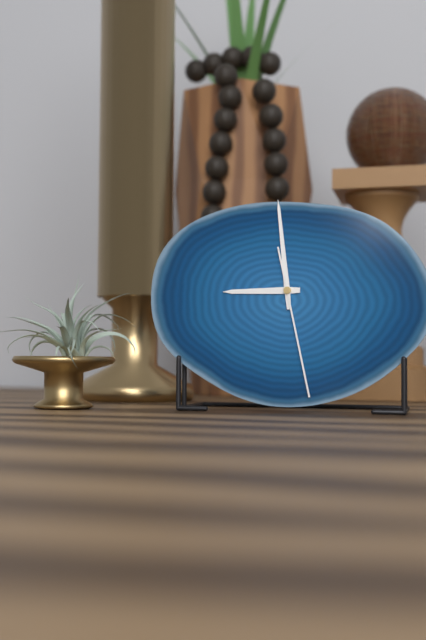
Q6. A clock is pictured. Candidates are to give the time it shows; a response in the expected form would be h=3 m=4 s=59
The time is h=8 m=59 s=28
